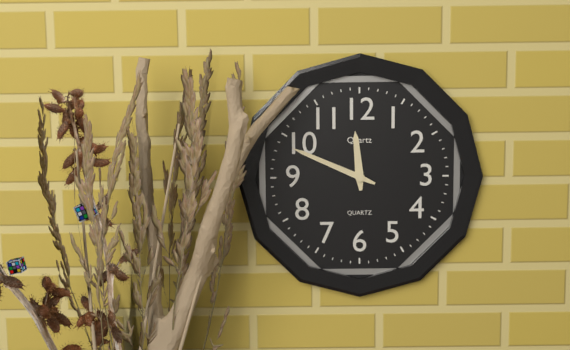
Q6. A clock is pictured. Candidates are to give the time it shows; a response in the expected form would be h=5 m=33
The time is h=11 m=49
